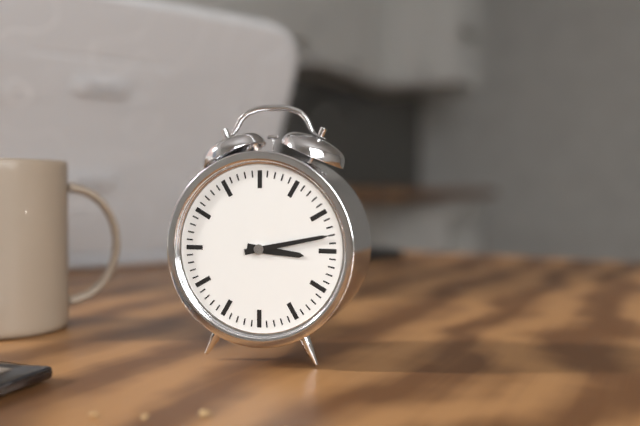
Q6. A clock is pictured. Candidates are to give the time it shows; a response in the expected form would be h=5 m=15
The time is h=3 m=13
